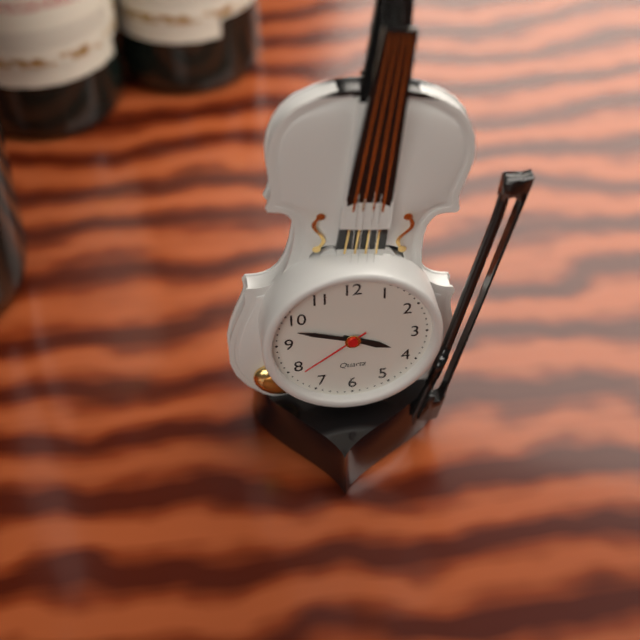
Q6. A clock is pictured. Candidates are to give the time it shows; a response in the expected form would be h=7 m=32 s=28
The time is h=3 m=48 s=39
